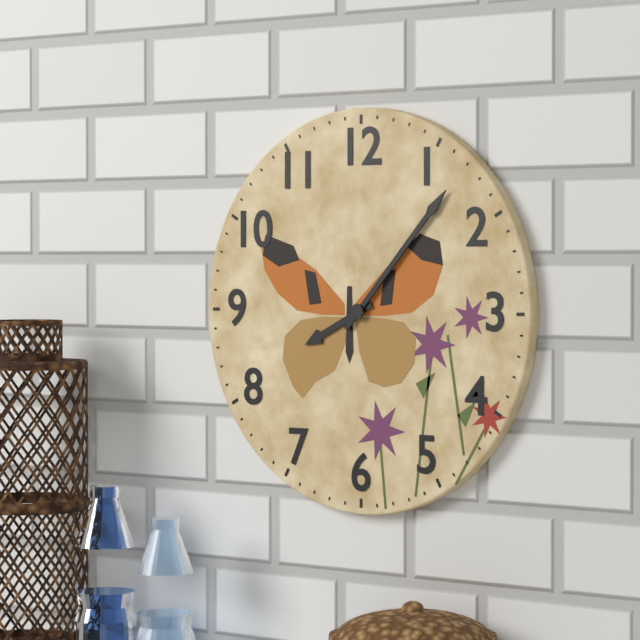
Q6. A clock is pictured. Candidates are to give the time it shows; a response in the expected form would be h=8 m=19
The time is h=8 m=7
